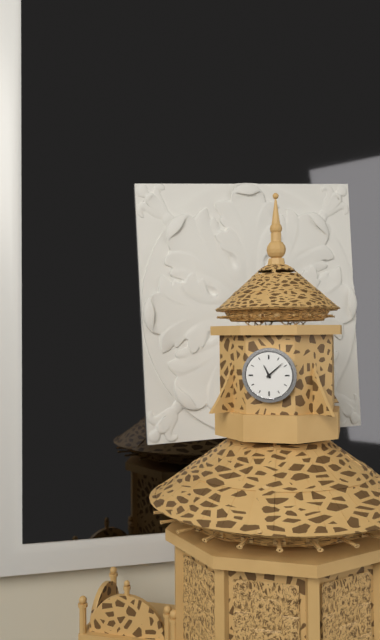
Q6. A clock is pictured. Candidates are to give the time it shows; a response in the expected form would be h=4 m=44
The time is h=11 m=8
